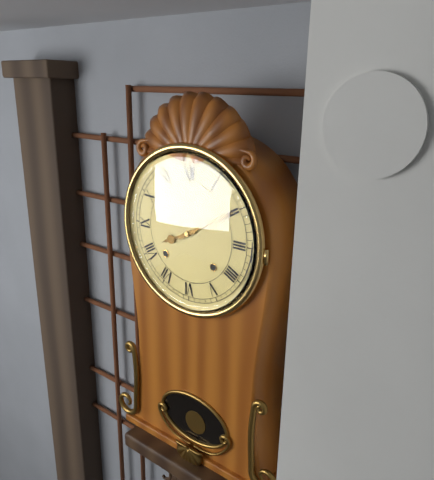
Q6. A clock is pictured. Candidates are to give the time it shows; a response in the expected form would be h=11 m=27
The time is h=8 m=10
